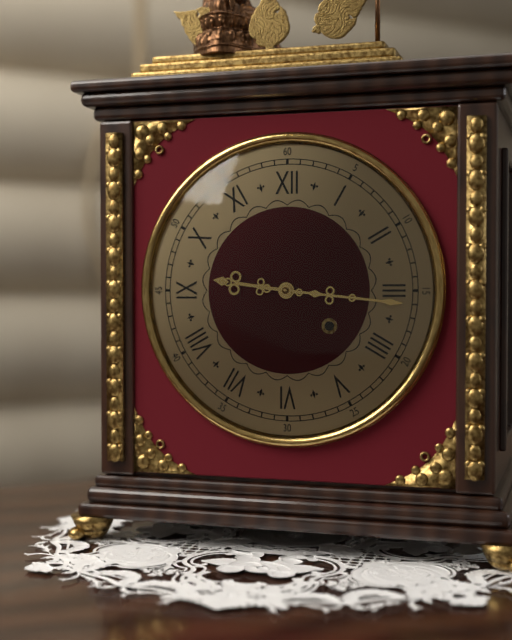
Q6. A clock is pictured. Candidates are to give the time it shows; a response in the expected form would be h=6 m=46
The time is h=9 m=16
